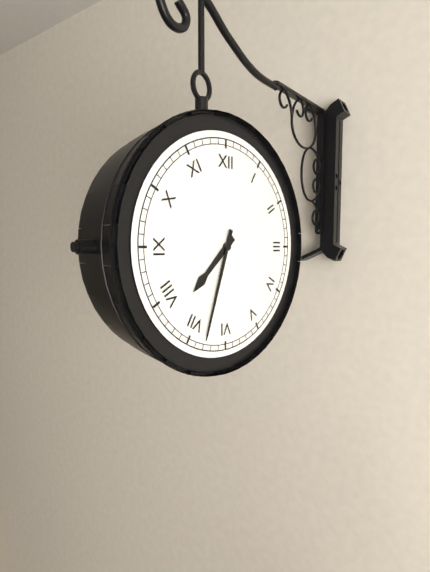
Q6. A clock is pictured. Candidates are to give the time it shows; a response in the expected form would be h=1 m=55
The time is h=7 m=33
